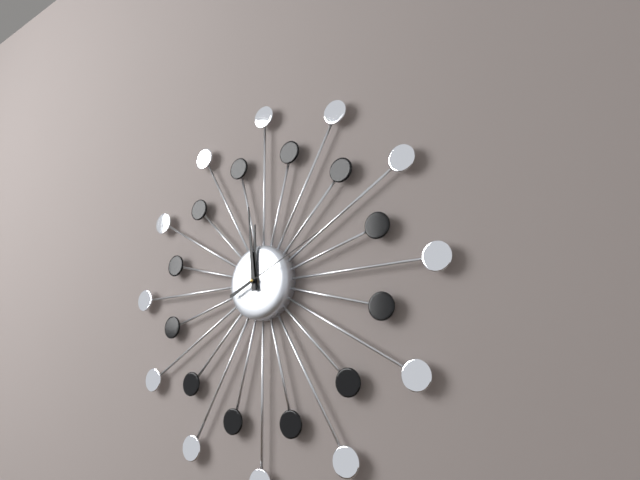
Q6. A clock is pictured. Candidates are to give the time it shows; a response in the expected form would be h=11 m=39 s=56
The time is h=11 m=59 s=11
